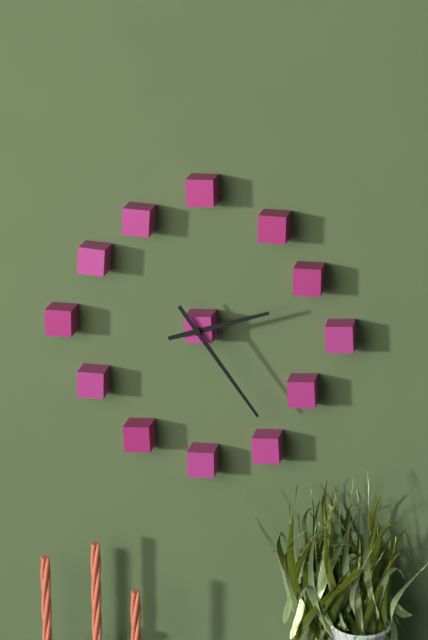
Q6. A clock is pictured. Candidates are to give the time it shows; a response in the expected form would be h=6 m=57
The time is h=2 m=24
